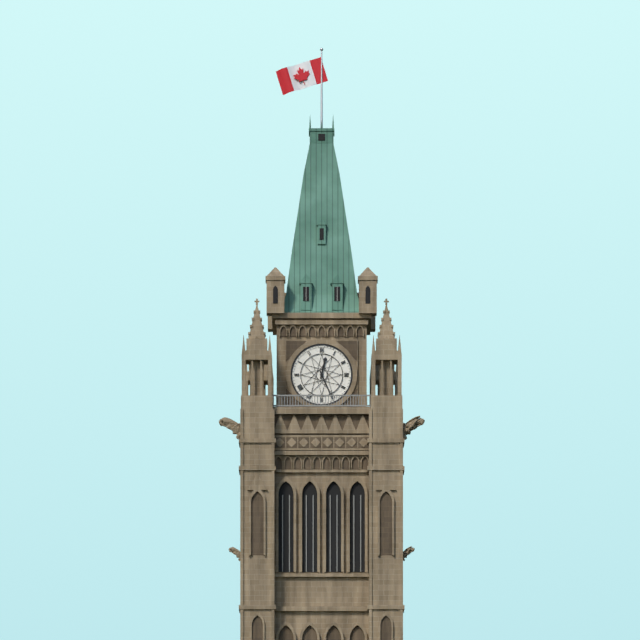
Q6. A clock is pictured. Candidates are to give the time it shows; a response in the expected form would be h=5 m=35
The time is h=12 m=26
